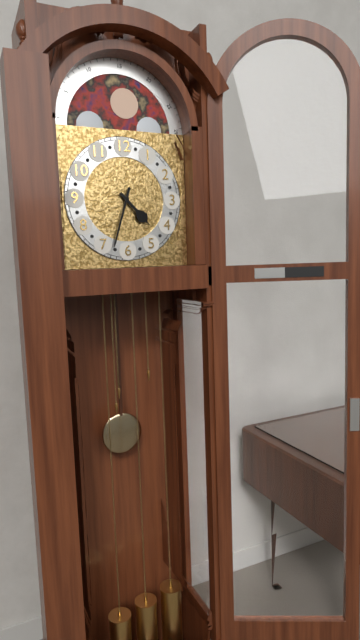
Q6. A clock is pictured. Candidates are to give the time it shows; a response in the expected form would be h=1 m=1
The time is h=4 m=33
